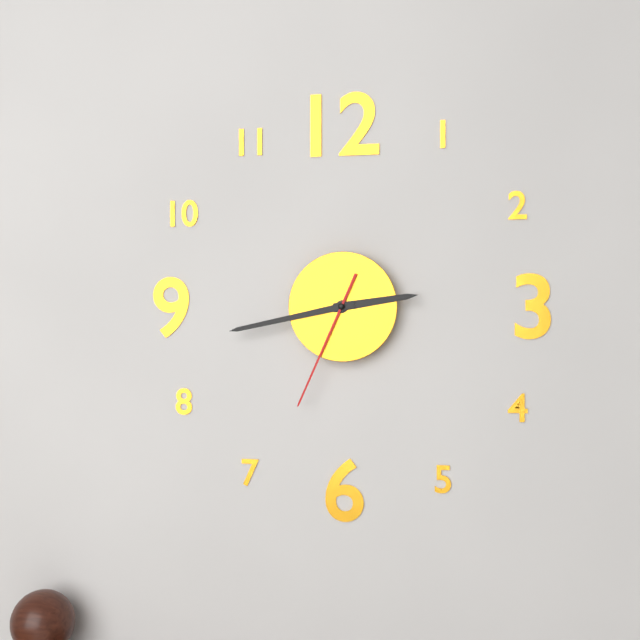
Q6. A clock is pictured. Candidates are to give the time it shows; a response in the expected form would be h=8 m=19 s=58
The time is h=2 m=43 s=34
